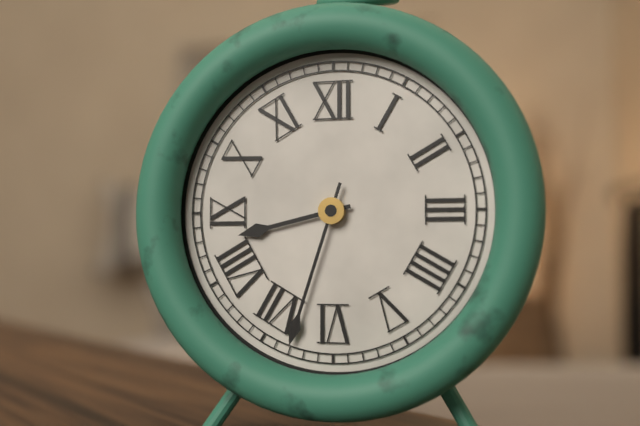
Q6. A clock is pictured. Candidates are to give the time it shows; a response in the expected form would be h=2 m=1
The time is h=8 m=33
